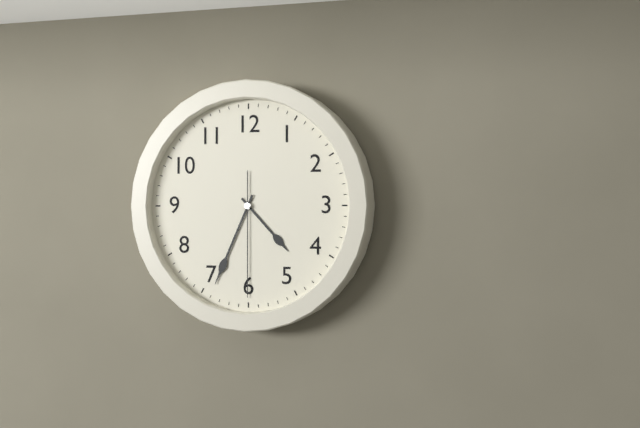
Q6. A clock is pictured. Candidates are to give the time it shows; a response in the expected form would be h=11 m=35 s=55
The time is h=4 m=34 s=30
